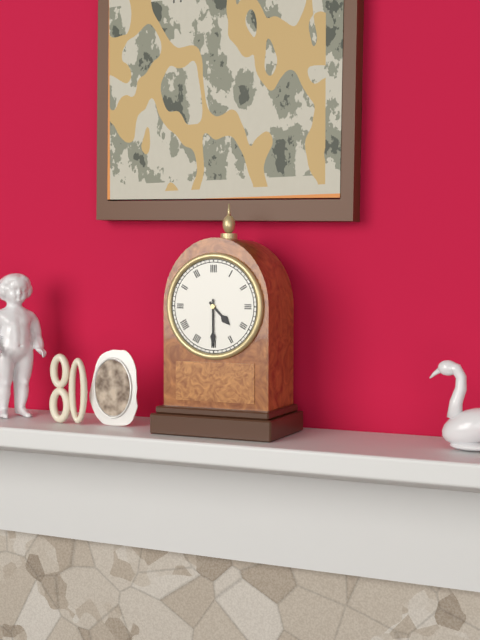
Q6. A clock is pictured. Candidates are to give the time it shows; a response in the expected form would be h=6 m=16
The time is h=4 m=30
